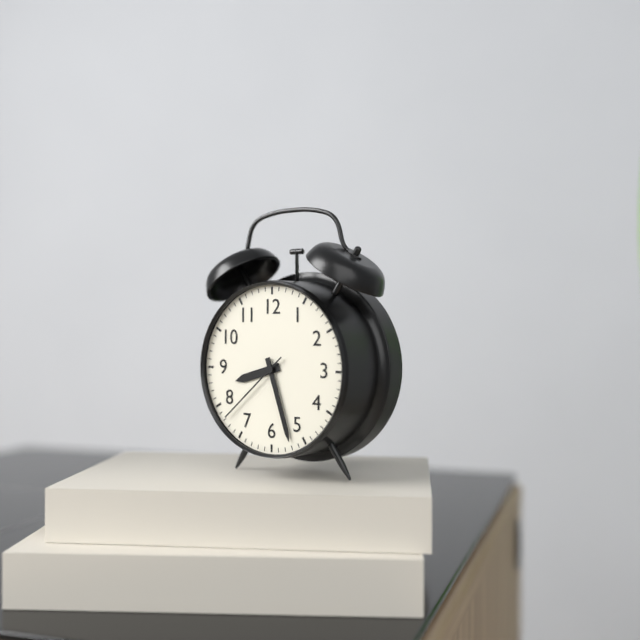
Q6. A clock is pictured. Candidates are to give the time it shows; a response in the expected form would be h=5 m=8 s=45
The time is h=8 m=27 s=38
